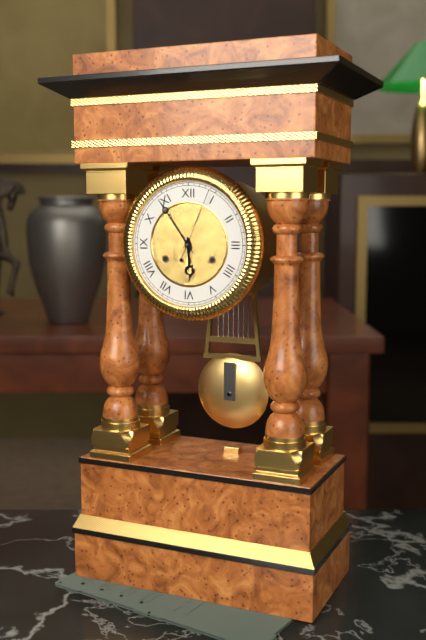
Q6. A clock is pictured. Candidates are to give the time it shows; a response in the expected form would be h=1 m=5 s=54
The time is h=5 m=54 s=4
